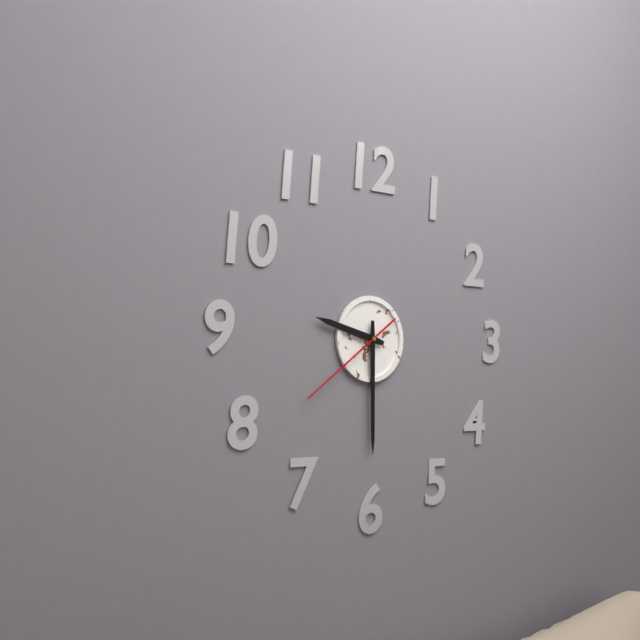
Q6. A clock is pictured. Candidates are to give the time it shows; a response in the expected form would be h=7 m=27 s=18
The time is h=9 m=30 s=39
